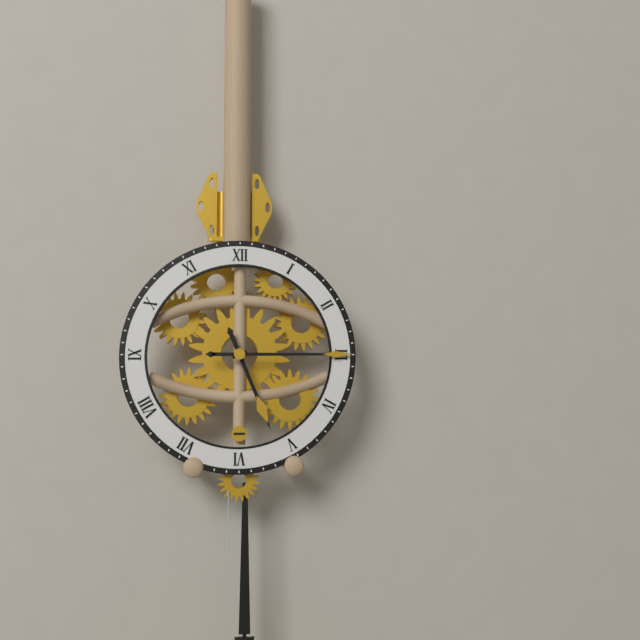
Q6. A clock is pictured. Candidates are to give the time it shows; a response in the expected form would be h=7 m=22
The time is h=5 m=15
